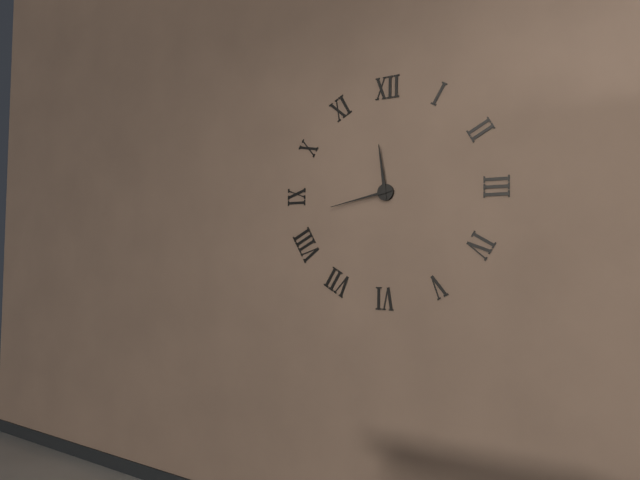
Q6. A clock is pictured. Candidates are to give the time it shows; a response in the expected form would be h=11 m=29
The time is h=11 m=43
